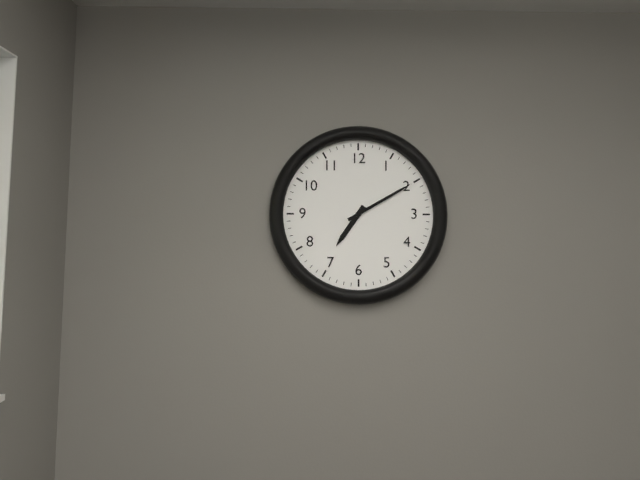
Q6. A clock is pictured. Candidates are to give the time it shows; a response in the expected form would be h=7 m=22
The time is h=7 m=10
